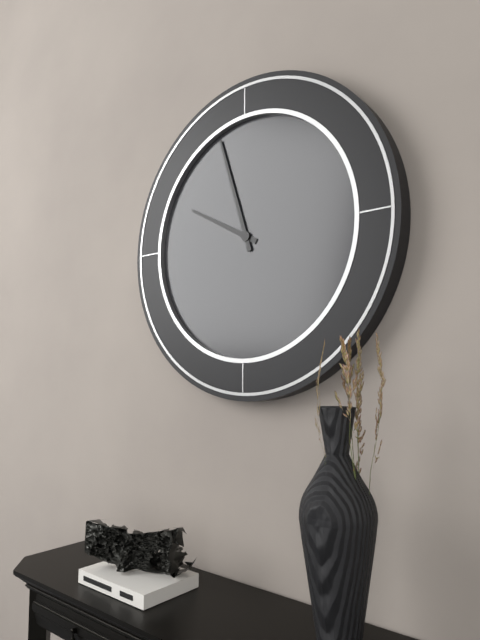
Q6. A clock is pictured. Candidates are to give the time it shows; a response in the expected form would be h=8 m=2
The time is h=9 m=57
